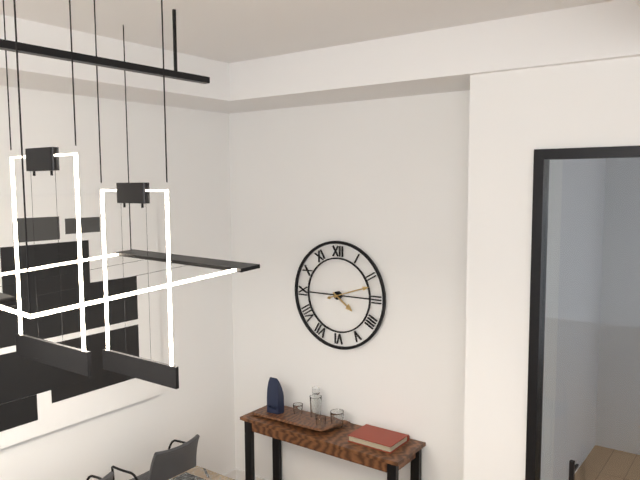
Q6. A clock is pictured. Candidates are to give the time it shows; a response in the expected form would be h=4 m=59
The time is h=4 m=12
